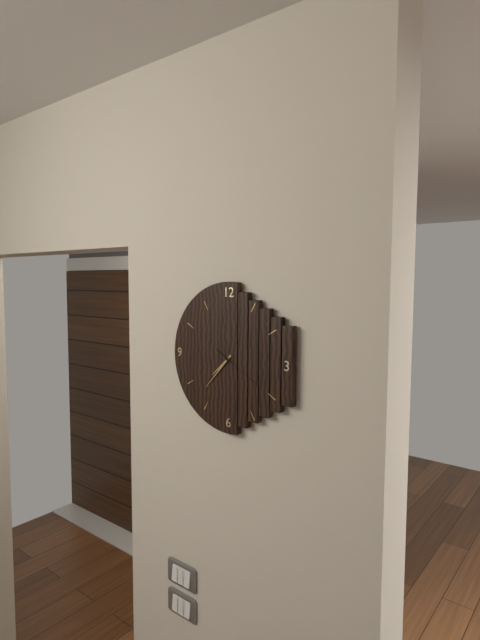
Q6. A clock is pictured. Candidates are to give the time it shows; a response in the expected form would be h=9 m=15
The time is h=7 m=37
